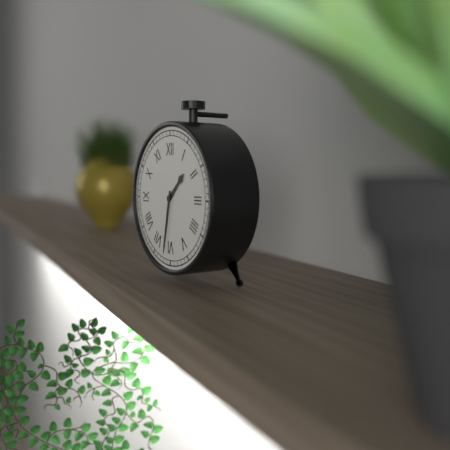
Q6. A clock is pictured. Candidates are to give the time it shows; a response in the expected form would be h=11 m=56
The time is h=1 m=32
